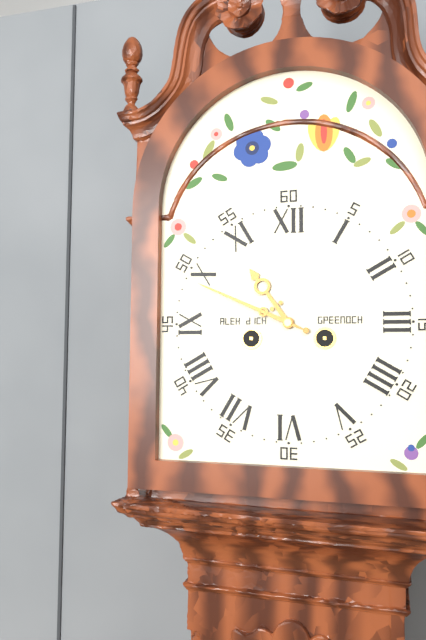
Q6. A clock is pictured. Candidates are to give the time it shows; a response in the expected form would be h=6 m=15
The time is h=10 m=49
